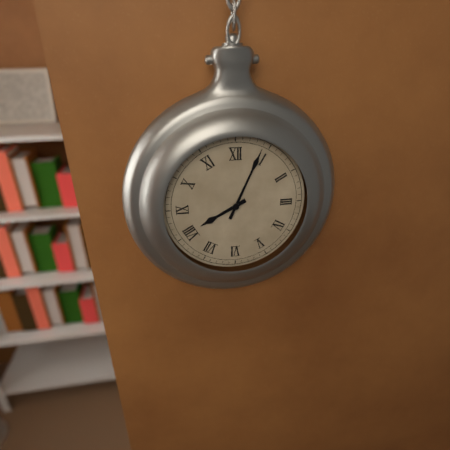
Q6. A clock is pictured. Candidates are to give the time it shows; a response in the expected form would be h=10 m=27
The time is h=8 m=4
